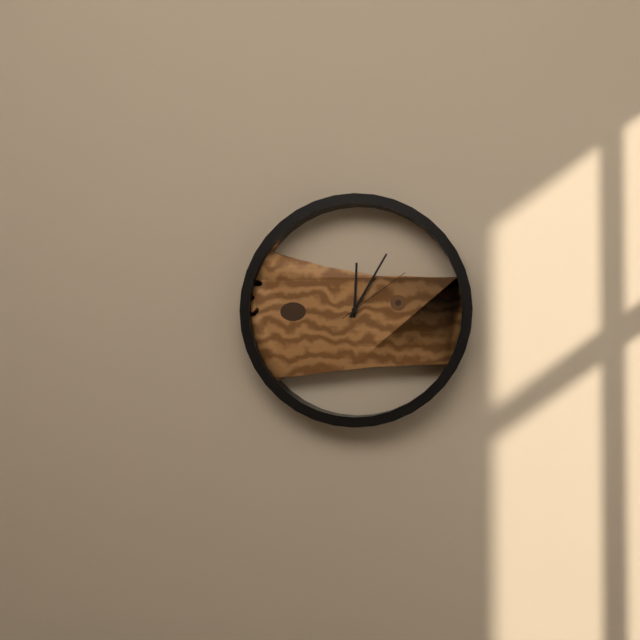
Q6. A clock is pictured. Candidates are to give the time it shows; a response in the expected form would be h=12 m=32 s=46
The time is h=12 m=5 s=9
